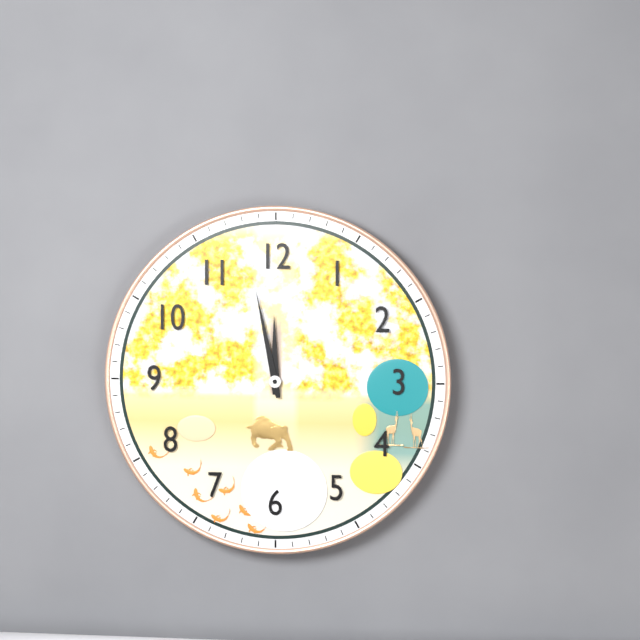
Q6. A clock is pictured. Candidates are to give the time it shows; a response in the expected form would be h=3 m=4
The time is h=11 m=58
